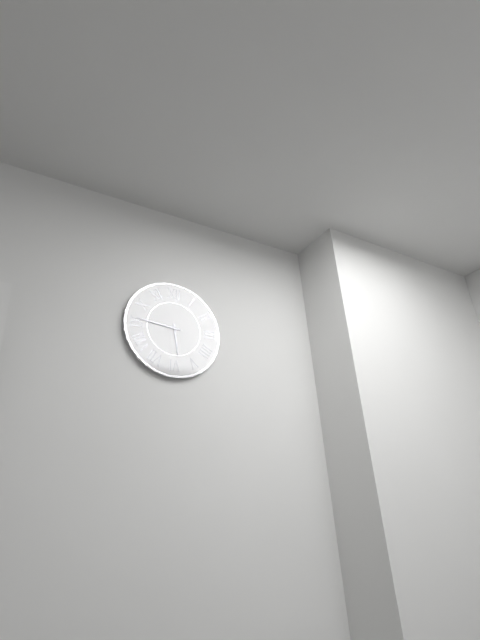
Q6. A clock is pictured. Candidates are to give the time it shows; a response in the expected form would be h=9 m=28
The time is h=5 m=46
